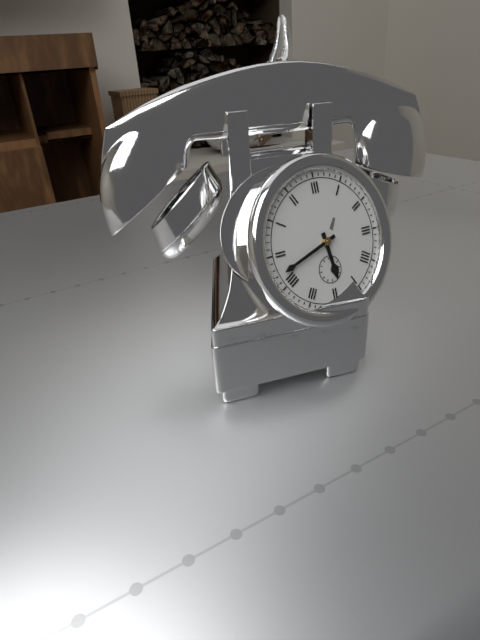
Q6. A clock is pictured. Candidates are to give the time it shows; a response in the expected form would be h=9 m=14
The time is h=5 m=42
